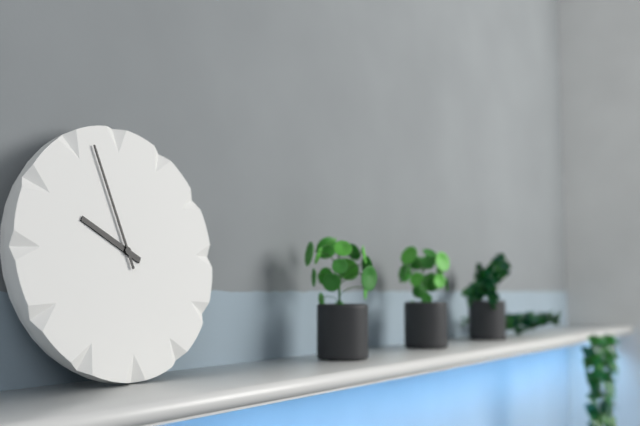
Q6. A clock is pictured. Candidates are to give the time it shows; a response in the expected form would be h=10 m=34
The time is h=9 m=57
